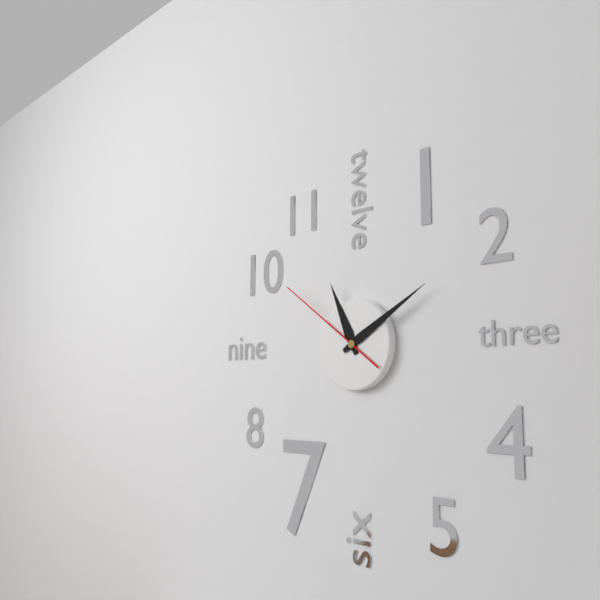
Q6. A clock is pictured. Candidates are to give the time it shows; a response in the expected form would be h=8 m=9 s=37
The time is h=11 m=10 s=51
